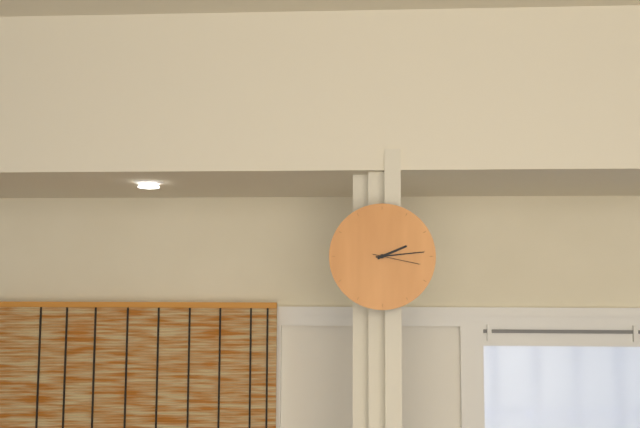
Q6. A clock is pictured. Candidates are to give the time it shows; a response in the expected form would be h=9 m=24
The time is h=2 m=14
